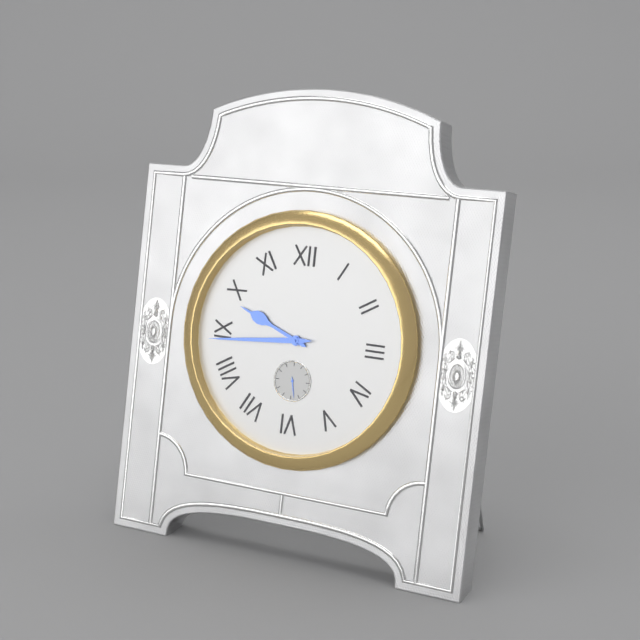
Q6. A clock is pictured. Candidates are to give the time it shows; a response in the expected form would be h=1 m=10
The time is h=9 m=44
